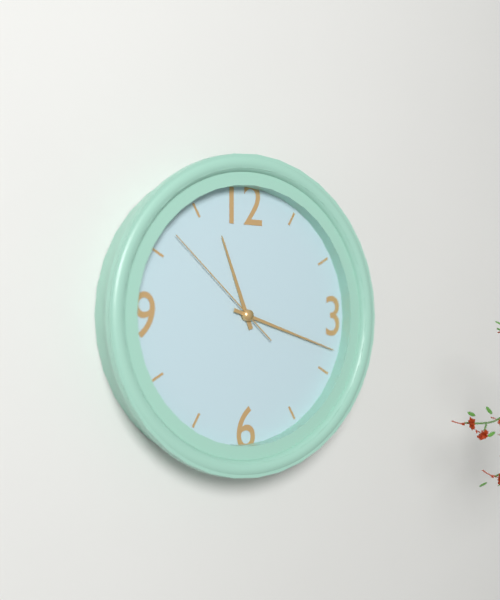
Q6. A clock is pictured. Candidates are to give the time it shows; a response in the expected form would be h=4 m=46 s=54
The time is h=11 m=18 s=52
